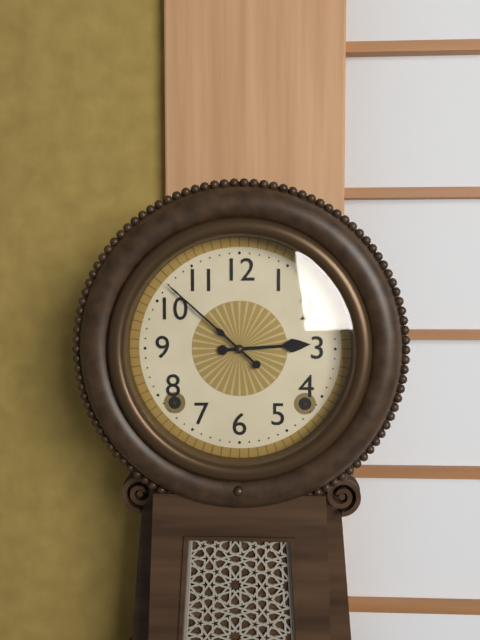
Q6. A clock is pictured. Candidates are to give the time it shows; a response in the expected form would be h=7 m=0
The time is h=2 m=52
